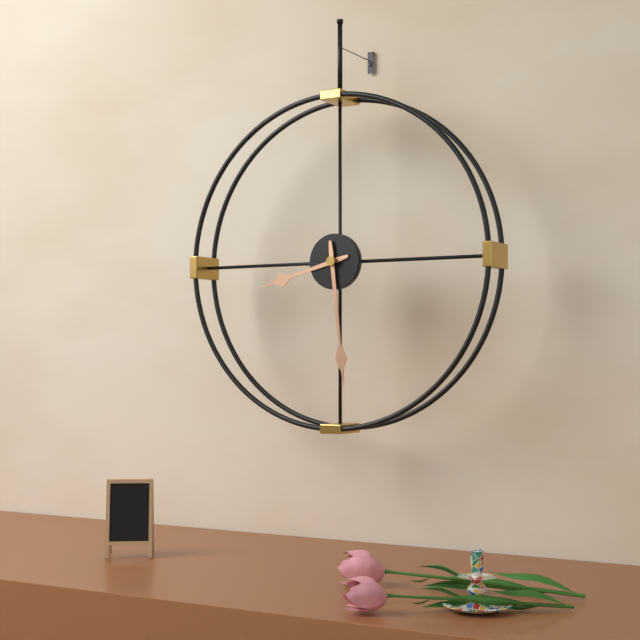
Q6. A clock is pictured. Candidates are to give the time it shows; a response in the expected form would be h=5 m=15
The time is h=8 m=29
